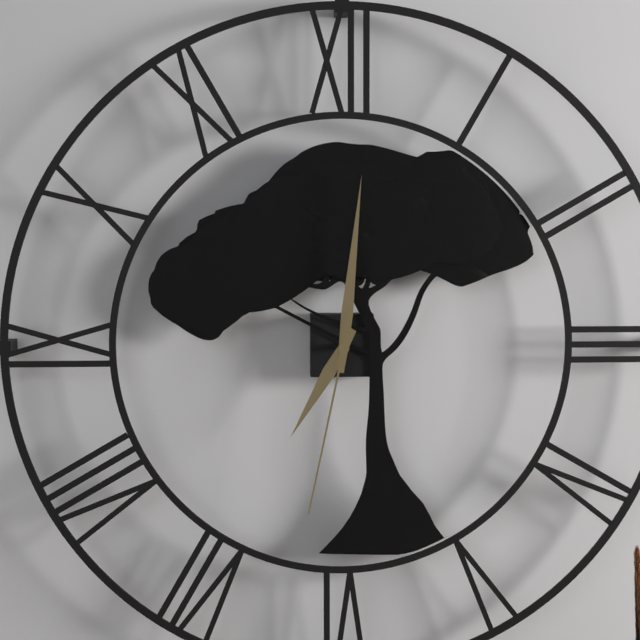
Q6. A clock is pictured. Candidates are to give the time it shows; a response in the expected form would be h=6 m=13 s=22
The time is h=7 m=1 s=32
